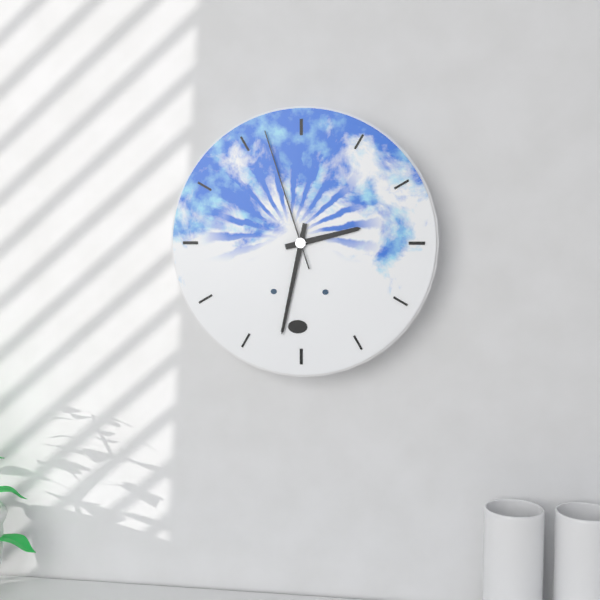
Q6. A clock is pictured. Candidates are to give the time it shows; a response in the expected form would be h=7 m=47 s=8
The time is h=2 m=32 s=57
